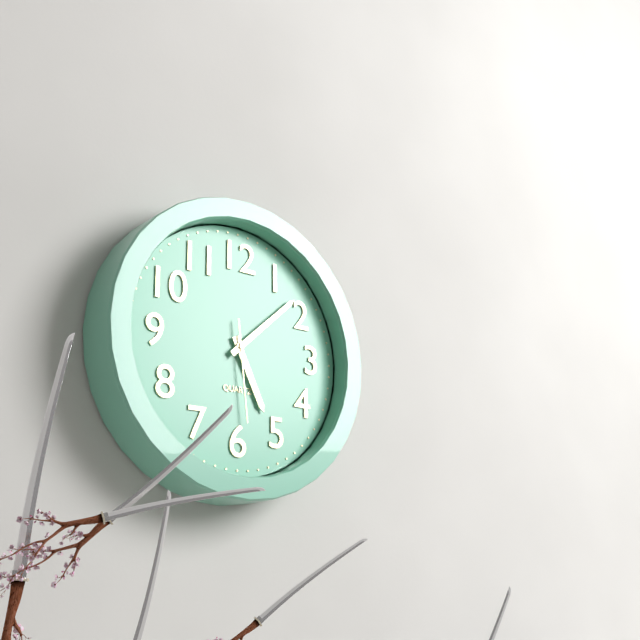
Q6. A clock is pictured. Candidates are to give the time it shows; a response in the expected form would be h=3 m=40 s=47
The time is h=5 m=8 s=29
